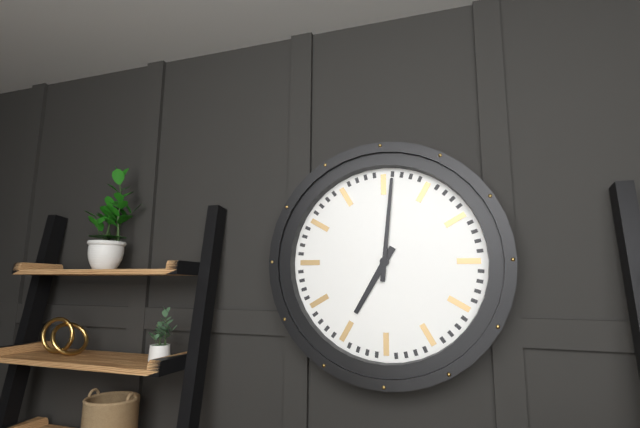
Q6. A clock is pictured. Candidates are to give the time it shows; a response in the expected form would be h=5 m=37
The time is h=7 m=1
